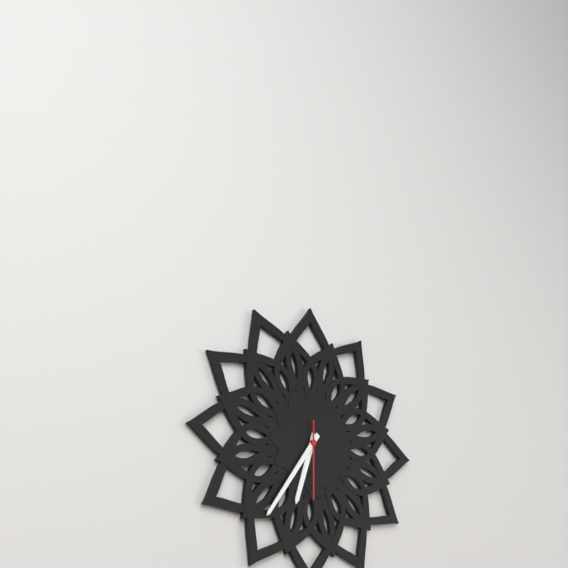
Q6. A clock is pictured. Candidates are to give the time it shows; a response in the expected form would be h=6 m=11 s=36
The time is h=6 m=36 s=30
